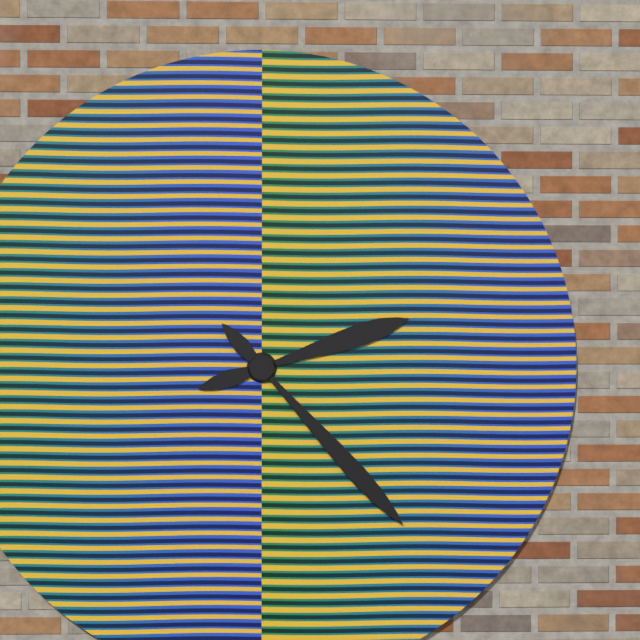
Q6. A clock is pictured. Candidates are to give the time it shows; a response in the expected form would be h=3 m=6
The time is h=2 m=23
